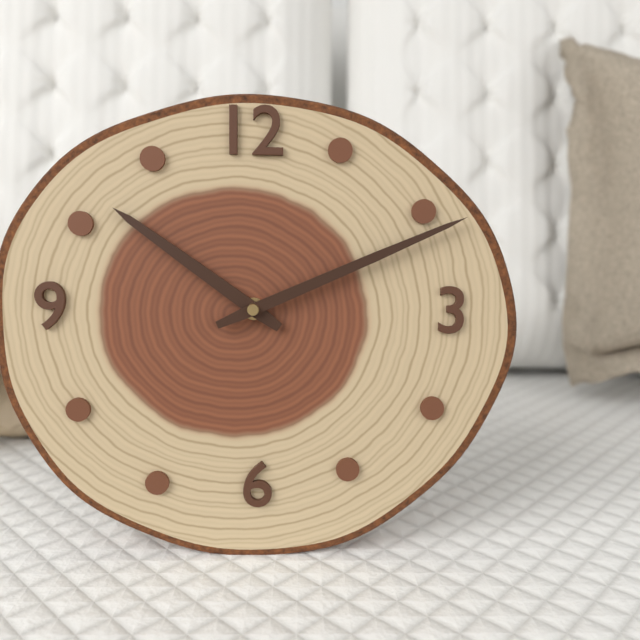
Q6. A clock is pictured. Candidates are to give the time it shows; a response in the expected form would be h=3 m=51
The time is h=10 m=11
